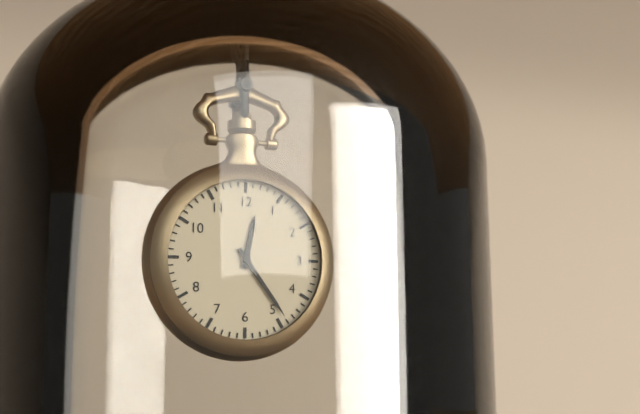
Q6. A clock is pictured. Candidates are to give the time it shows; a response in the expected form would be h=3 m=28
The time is h=12 m=24
